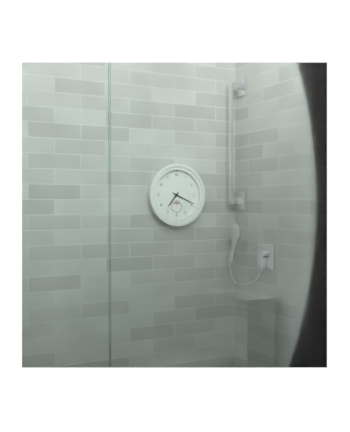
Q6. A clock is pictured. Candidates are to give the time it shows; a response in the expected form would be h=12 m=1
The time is h=7 m=19
